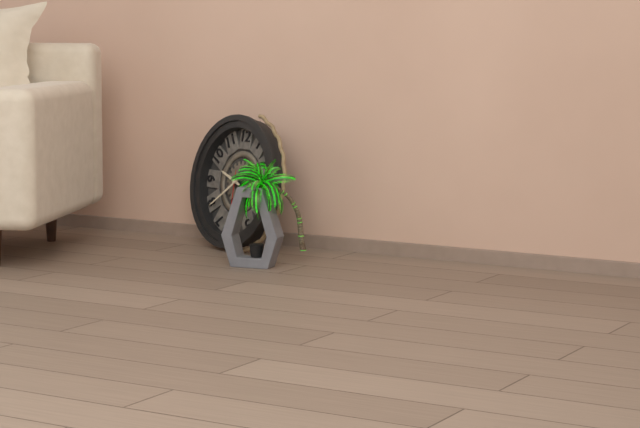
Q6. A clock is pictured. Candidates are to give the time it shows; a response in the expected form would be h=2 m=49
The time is h=9 m=39
